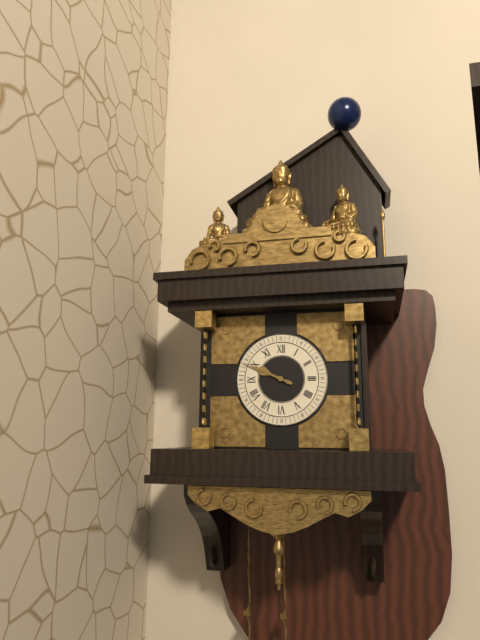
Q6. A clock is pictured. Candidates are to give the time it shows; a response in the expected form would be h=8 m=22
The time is h=9 m=49
